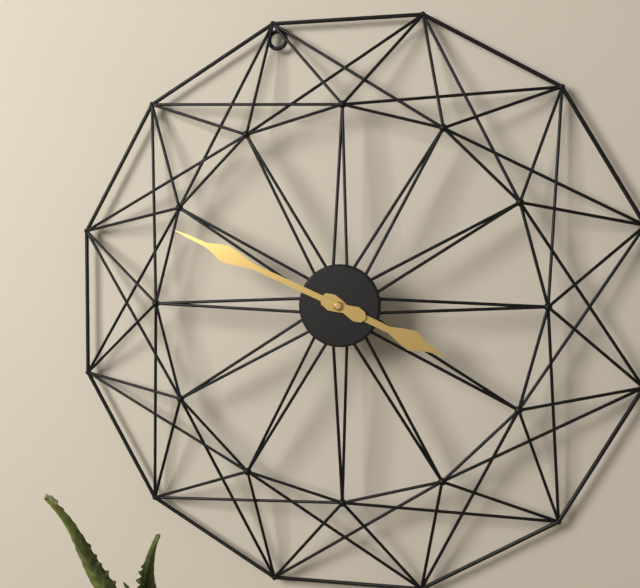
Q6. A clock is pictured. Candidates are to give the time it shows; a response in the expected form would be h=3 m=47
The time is h=3 m=49
